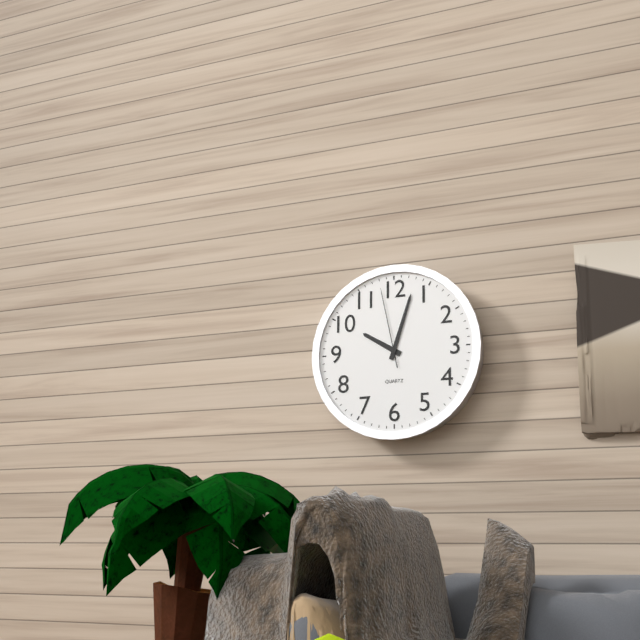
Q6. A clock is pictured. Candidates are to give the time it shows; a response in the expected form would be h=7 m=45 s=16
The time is h=10 m=3 s=58
